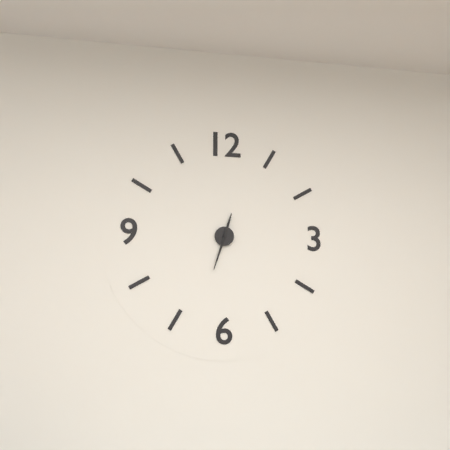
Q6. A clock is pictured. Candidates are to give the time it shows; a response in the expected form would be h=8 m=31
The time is h=12 m=33
